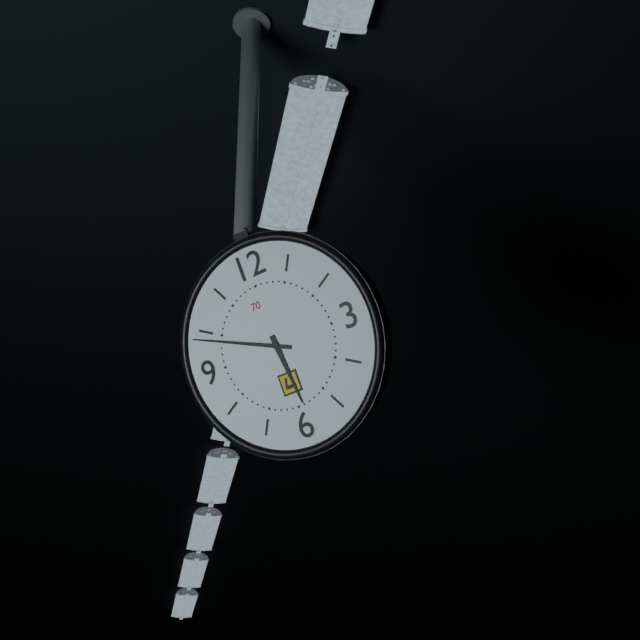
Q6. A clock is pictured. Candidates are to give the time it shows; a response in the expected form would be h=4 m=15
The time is h=5 m=49
